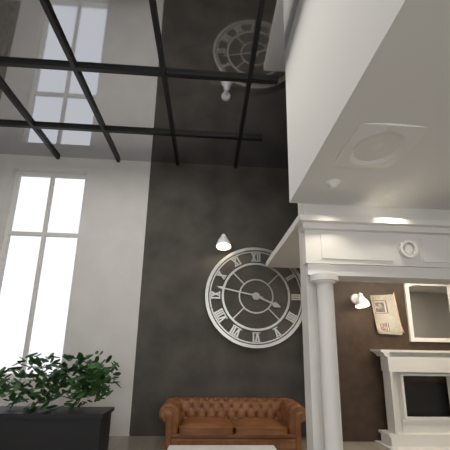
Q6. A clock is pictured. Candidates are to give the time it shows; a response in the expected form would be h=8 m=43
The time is h=3 m=47
